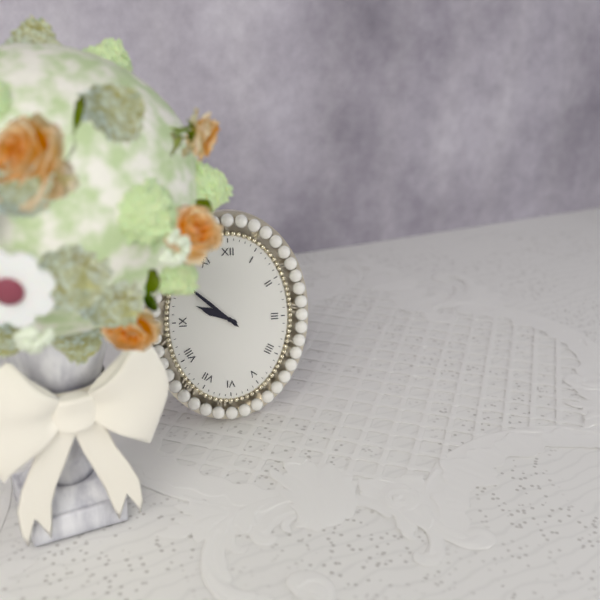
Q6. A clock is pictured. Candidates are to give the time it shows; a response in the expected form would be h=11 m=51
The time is h=9 m=52
